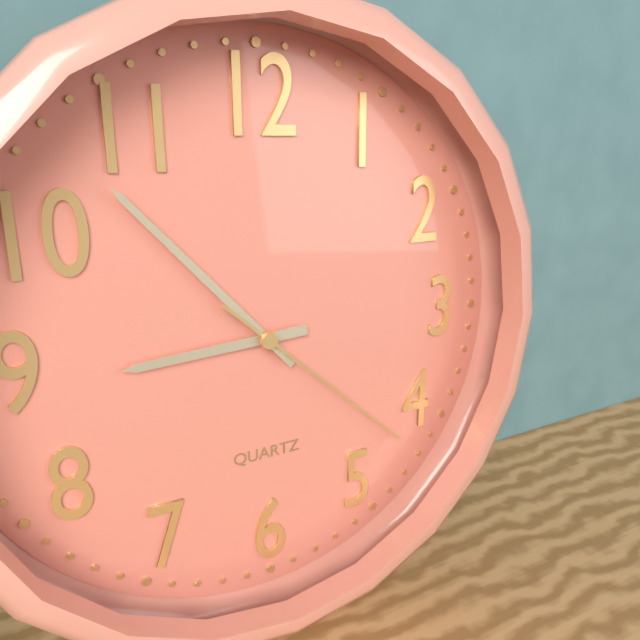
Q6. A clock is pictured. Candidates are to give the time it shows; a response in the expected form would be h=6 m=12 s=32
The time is h=8 m=53 s=22
